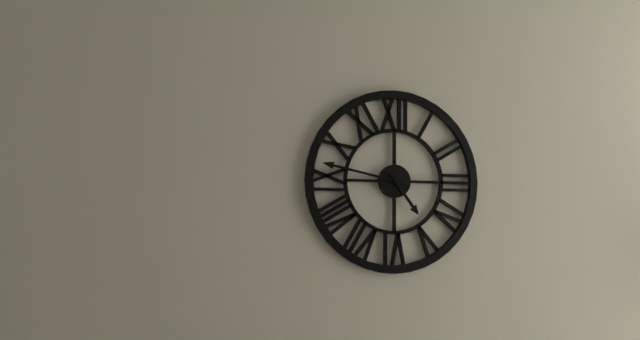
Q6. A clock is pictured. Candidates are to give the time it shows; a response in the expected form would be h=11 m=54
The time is h=4 m=47
